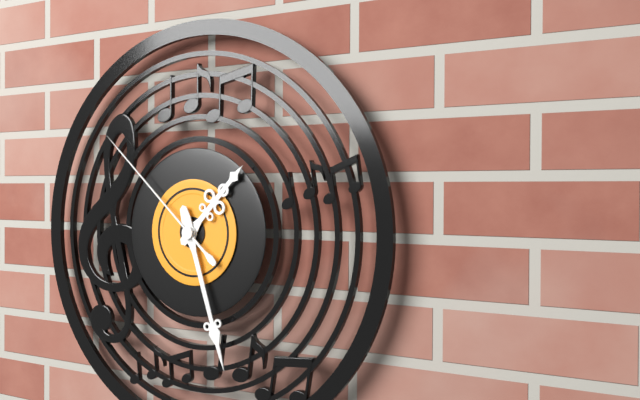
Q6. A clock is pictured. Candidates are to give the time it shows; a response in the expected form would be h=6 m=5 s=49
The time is h=1 m=27 s=52
